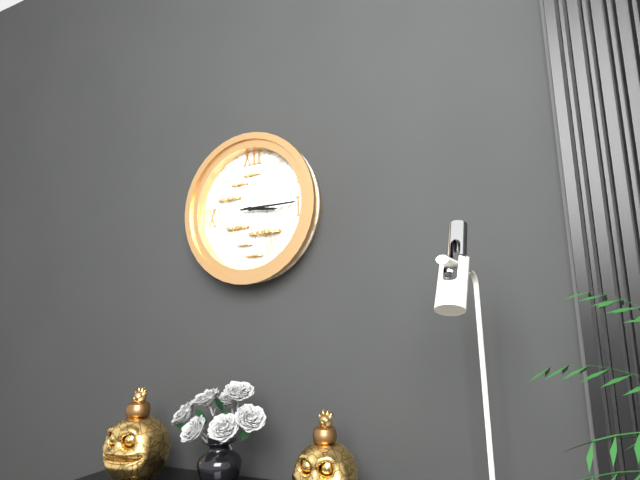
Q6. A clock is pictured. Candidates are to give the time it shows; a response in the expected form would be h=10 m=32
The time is h=3 m=15
